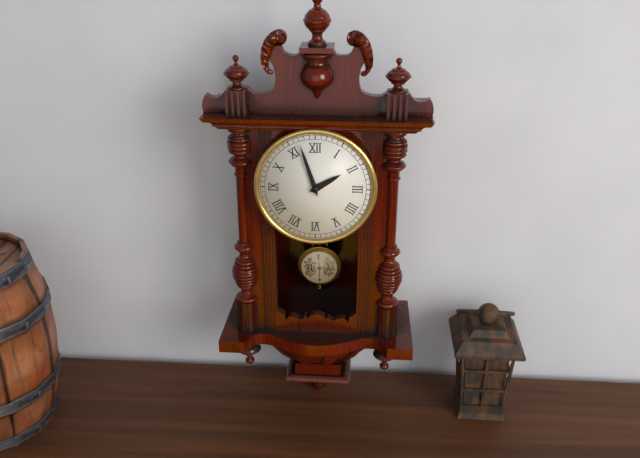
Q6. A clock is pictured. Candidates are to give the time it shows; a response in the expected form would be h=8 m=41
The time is h=1 m=57
